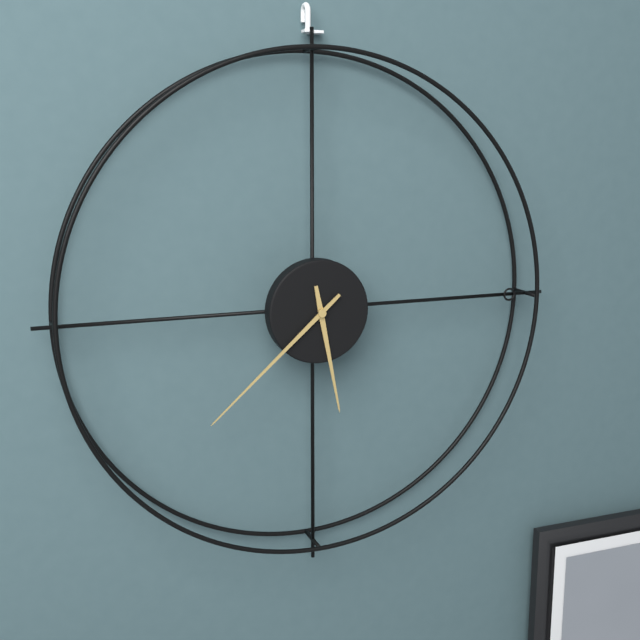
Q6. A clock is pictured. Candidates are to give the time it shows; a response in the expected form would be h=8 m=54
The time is h=5 m=38
